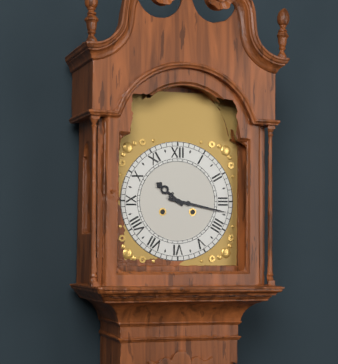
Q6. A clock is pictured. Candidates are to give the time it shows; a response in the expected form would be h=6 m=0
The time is h=10 m=17
